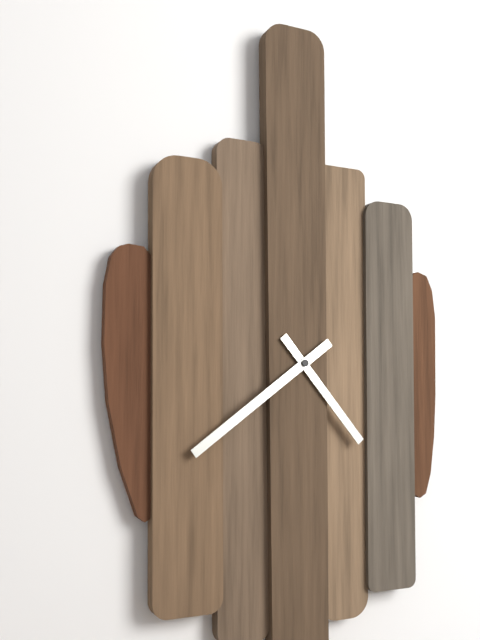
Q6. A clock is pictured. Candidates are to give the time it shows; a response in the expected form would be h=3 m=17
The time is h=4 m=39
